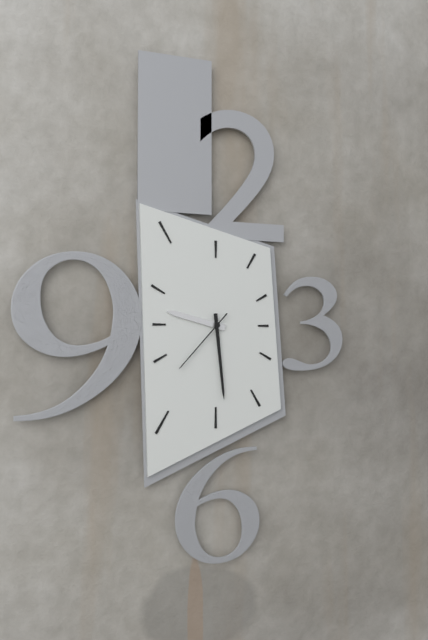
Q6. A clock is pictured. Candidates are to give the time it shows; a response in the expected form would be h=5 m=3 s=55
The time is h=9 m=29 s=37
